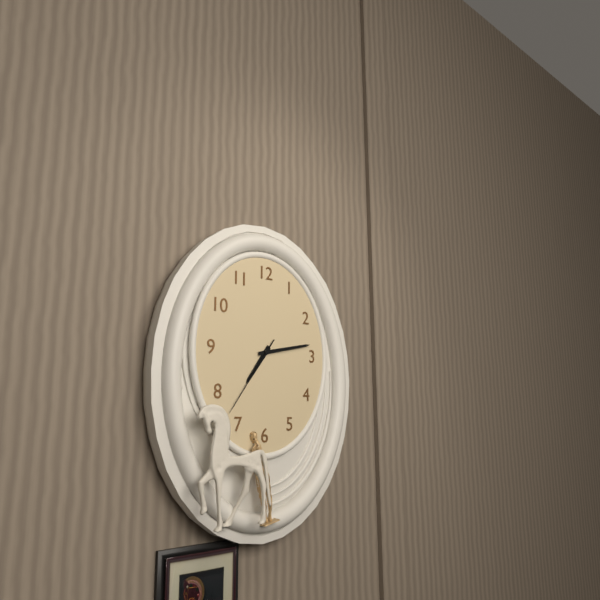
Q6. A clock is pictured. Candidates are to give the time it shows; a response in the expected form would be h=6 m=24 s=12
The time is h=7 m=13 s=36
